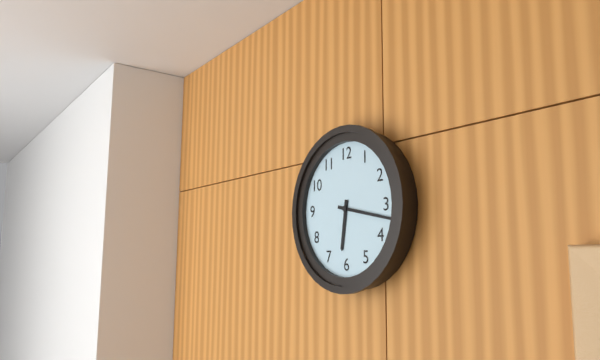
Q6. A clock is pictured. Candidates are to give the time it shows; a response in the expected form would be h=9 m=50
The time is h=6 m=17
